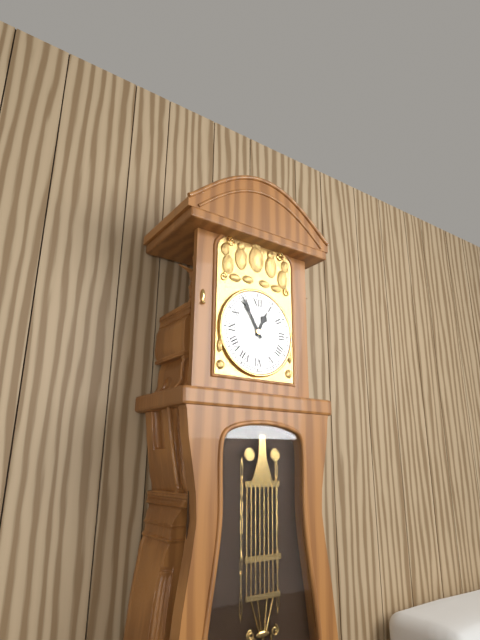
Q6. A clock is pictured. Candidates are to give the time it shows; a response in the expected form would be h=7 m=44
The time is h=12 m=55
